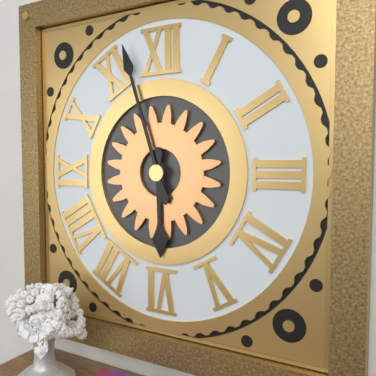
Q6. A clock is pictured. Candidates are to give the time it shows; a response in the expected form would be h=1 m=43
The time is h=5 m=57
